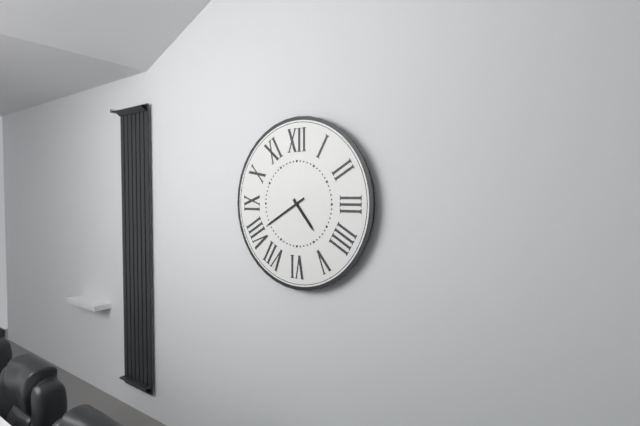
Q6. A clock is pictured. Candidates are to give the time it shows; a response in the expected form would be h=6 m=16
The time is h=4 m=40
